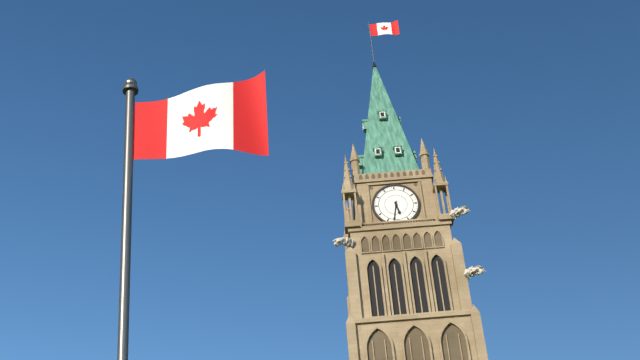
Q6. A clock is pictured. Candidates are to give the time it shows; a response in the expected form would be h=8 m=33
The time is h=5 m=32
